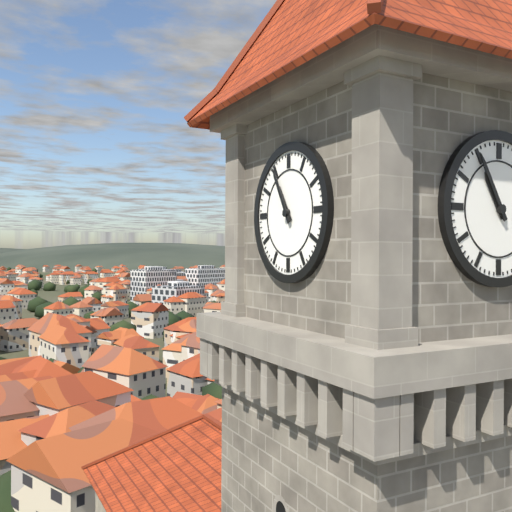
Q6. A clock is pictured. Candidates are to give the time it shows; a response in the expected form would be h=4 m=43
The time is h=10 m=55
